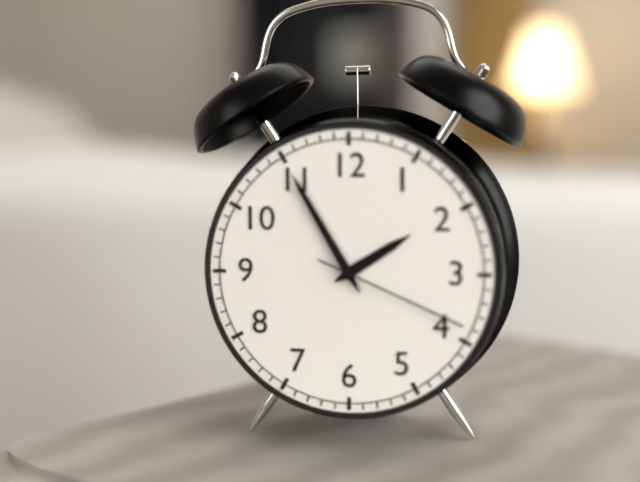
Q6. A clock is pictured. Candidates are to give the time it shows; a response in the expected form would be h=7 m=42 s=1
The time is h=1 m=55 s=19
